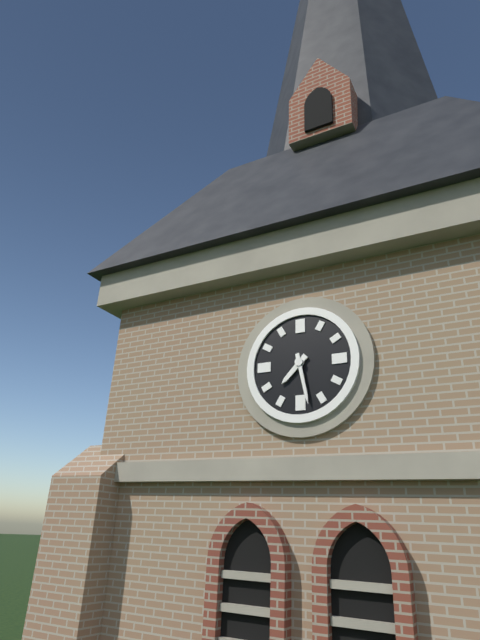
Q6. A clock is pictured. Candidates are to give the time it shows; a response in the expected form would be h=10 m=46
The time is h=7 m=28
